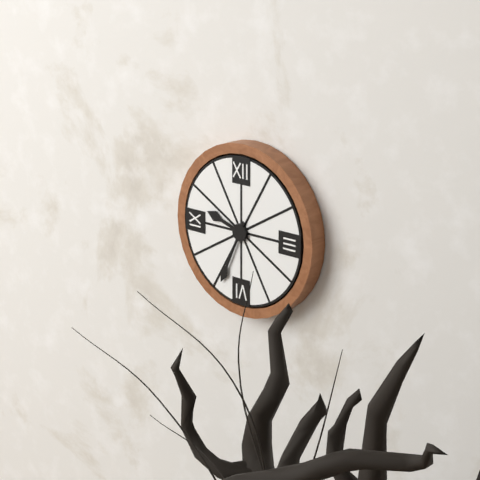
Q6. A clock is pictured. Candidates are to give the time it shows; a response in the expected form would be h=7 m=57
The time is h=9 m=34
